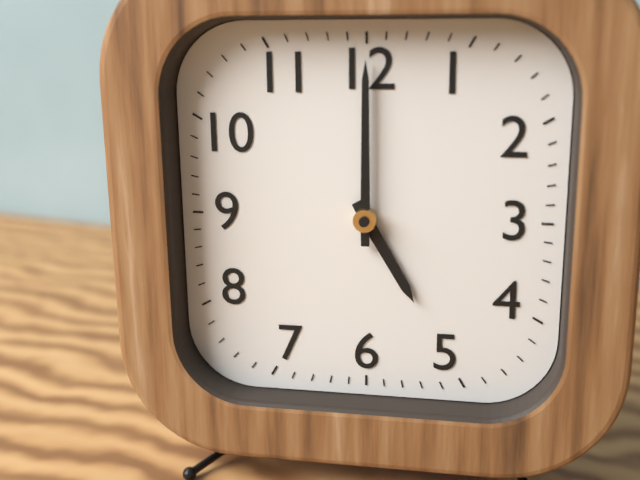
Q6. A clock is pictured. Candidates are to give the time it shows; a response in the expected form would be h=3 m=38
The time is h=5 m=0
